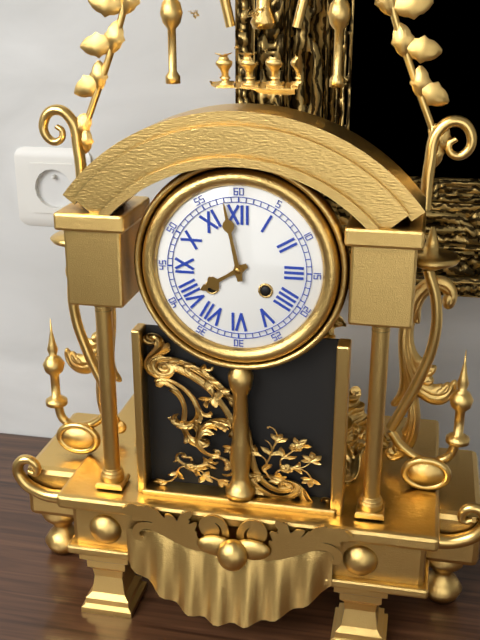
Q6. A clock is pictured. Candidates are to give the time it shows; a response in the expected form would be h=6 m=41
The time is h=7 m=58
